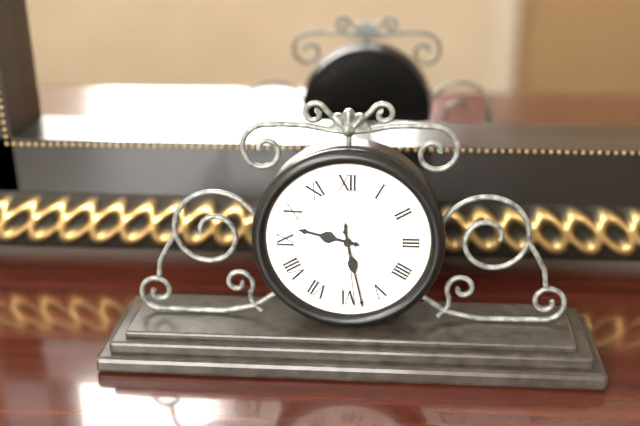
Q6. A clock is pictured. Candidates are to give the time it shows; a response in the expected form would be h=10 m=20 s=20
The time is h=9 m=28 s=29
